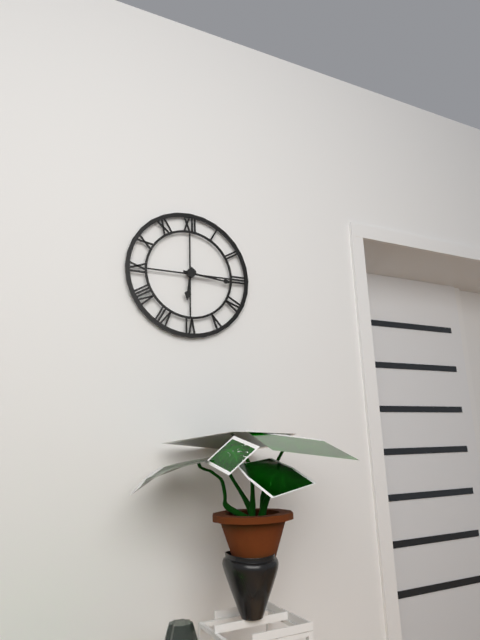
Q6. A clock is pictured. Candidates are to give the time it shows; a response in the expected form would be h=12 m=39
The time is h=6 m=16
